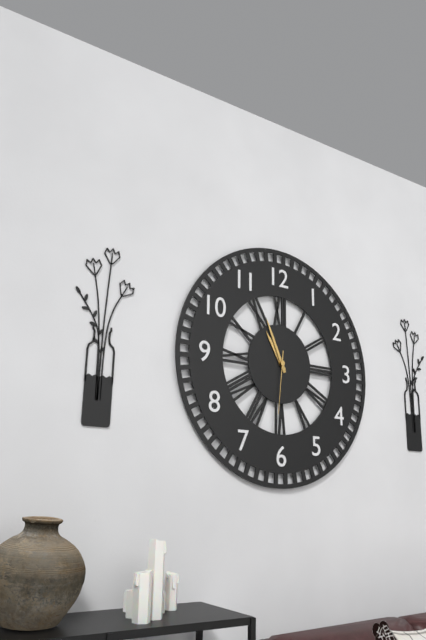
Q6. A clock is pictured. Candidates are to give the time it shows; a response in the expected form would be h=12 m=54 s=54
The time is h=10 m=56 s=31
